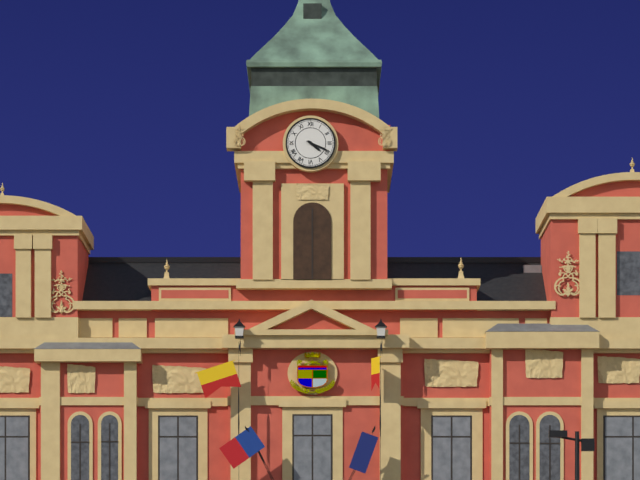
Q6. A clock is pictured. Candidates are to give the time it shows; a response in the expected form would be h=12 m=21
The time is h=4 m=19
